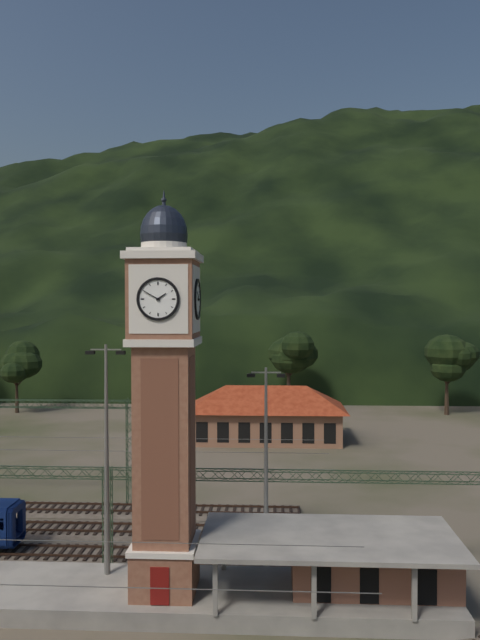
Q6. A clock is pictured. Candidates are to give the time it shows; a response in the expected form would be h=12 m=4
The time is h=1 m=50
